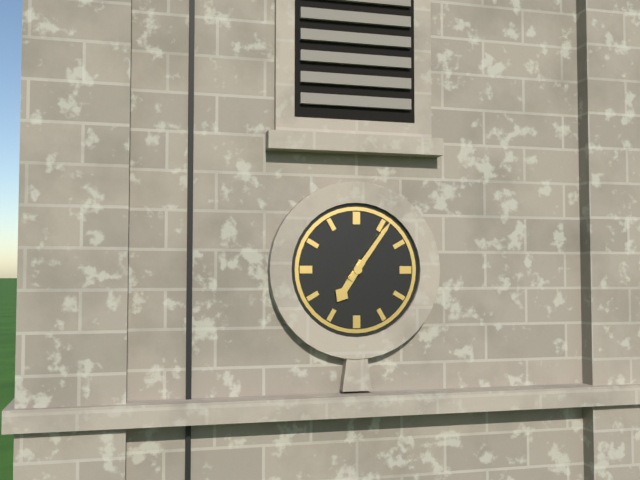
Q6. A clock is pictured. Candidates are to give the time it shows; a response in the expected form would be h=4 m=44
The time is h=7 m=6
